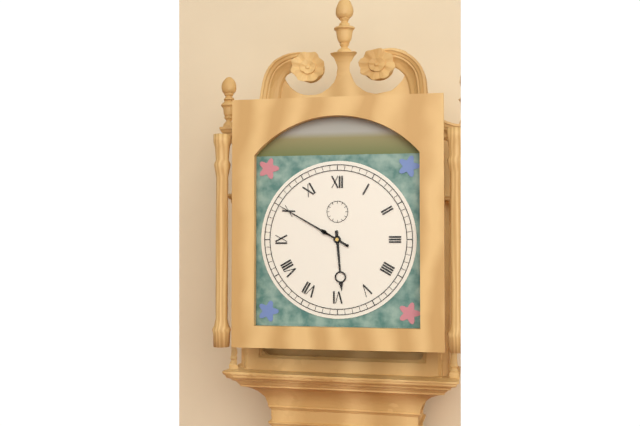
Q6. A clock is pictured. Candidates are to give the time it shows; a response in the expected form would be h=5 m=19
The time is h=5 m=50
